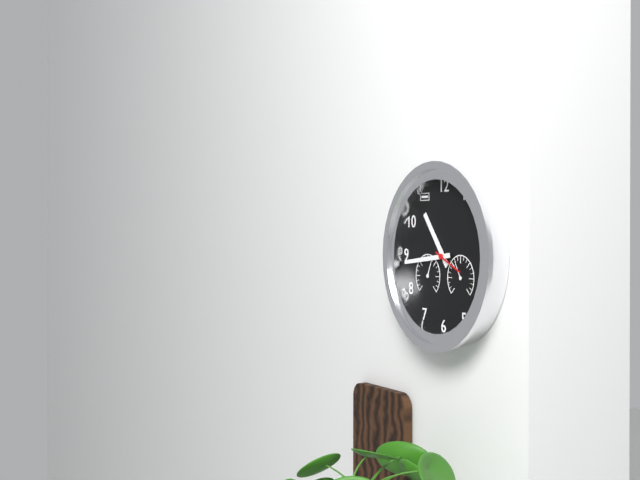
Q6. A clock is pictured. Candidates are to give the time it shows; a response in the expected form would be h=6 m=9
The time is h=10 m=44
